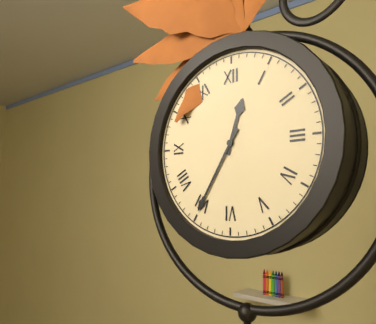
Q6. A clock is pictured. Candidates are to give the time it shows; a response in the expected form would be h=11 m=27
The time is h=12 m=35
